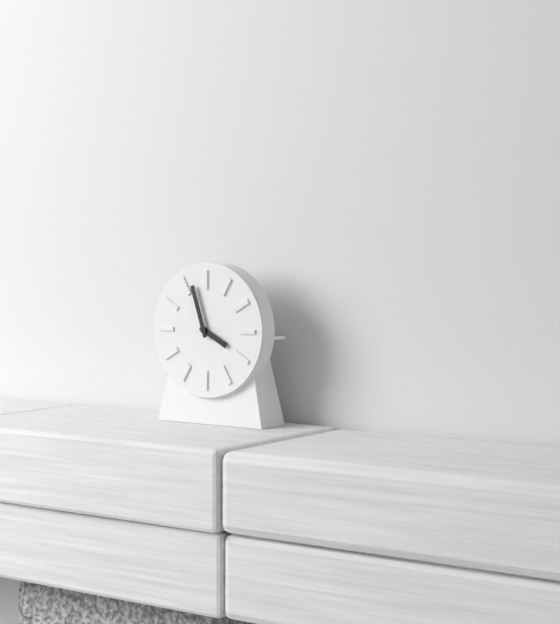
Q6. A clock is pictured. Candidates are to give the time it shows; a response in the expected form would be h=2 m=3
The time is h=3 m=57
